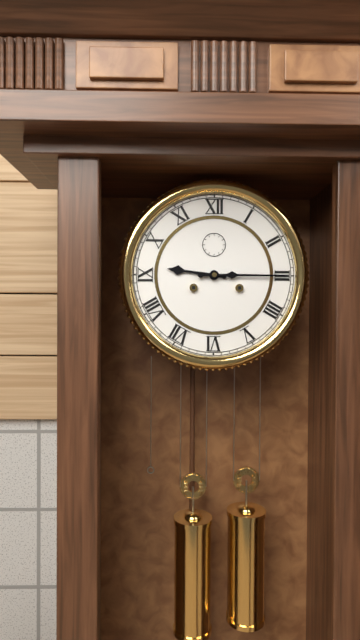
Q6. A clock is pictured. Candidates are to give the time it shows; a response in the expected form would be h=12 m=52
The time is h=9 m=15
